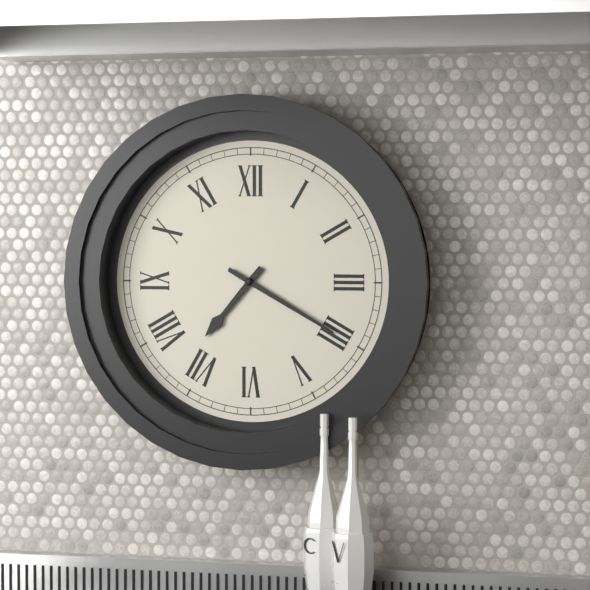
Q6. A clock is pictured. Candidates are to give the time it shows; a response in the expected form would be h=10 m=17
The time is h=7 m=20
